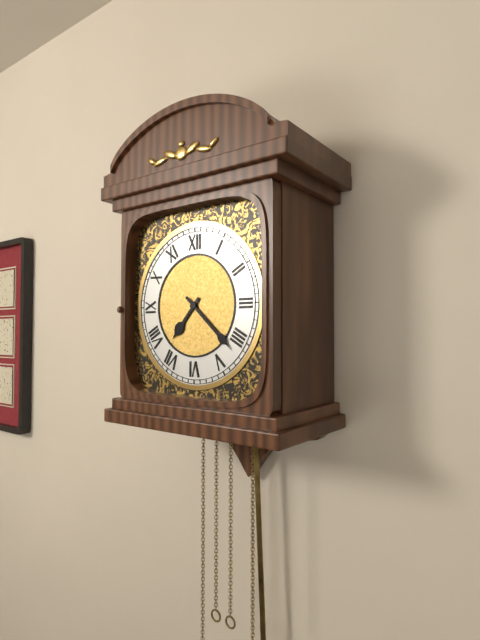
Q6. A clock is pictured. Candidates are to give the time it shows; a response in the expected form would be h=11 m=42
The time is h=7 m=22
